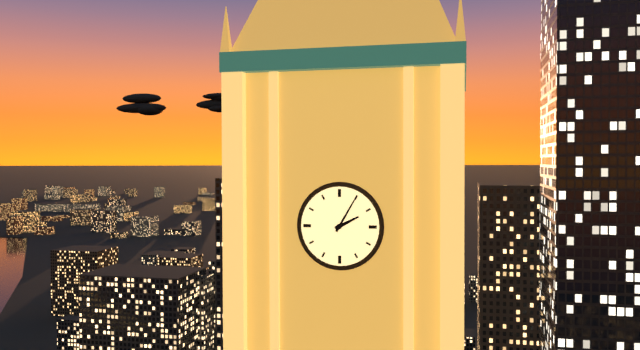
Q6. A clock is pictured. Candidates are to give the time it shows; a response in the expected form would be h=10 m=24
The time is h=2 m=5
